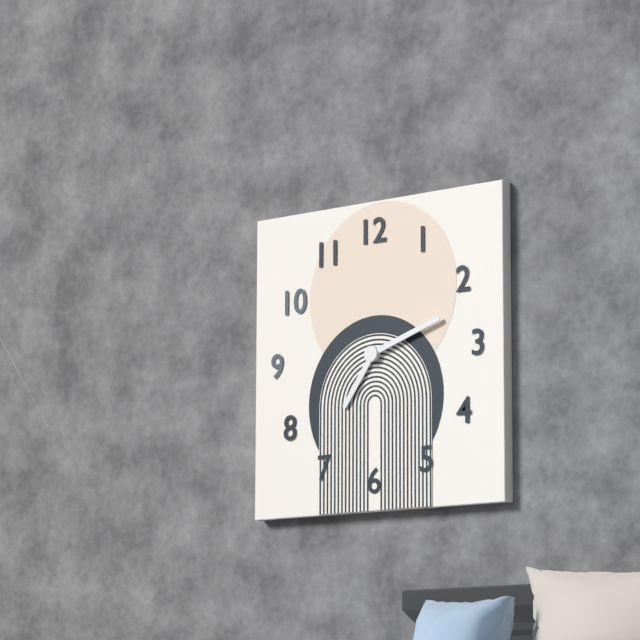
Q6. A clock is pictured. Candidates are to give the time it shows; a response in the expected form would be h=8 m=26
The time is h=7 m=12
